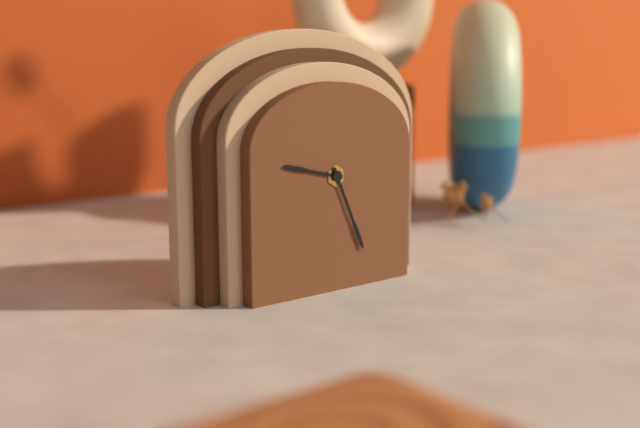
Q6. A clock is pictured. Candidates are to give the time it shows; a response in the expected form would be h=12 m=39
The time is h=9 m=26
